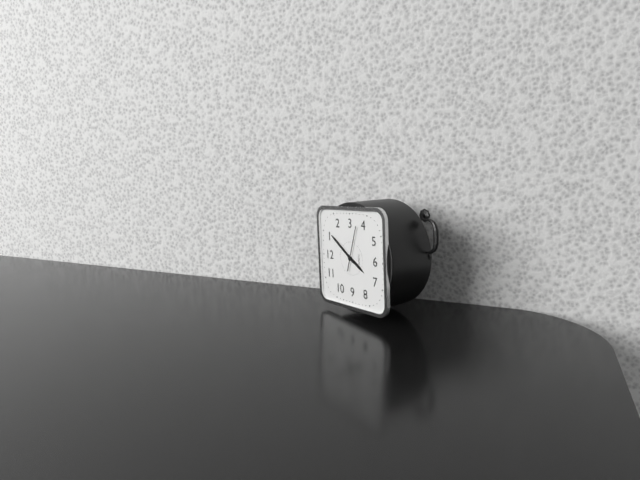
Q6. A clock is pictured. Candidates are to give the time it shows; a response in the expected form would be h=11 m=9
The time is h=7 m=6
